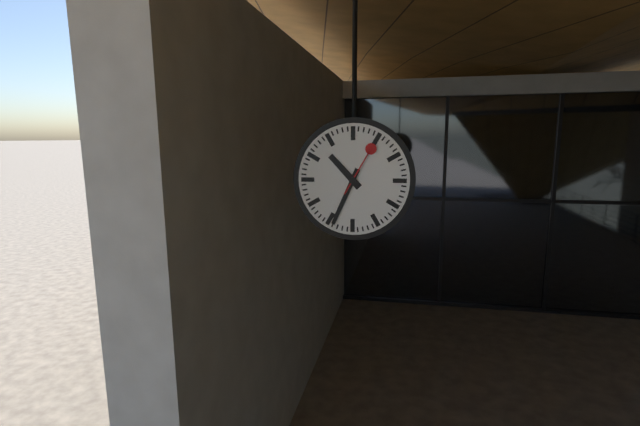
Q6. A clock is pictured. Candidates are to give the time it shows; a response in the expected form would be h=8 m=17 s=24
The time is h=10 m=34 s=5
